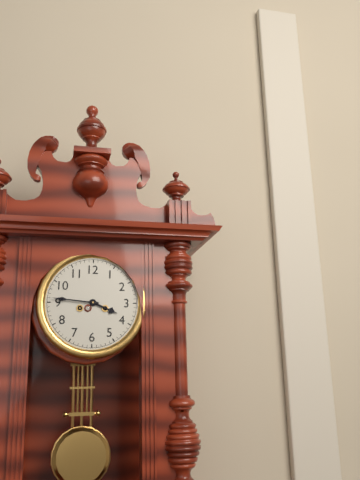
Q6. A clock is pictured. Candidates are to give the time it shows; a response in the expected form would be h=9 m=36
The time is h=3 m=46
